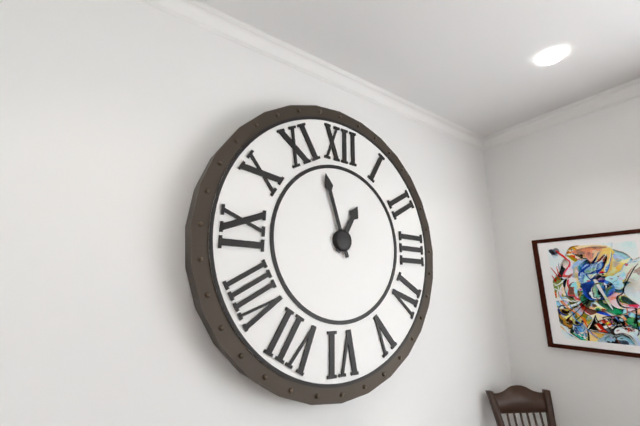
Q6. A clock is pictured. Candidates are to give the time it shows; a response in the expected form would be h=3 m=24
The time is h=12 m=57
